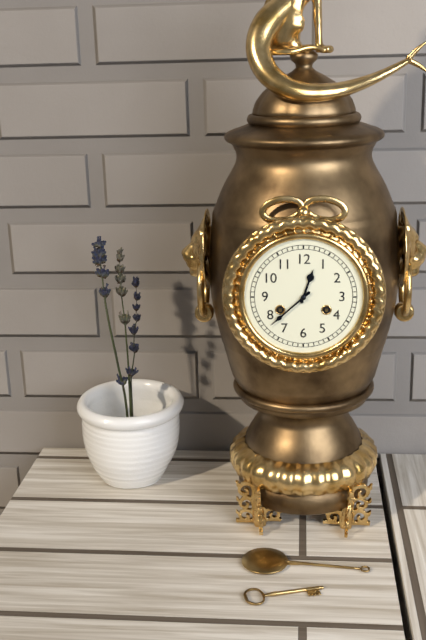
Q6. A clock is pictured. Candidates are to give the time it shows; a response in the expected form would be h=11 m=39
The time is h=12 m=38
